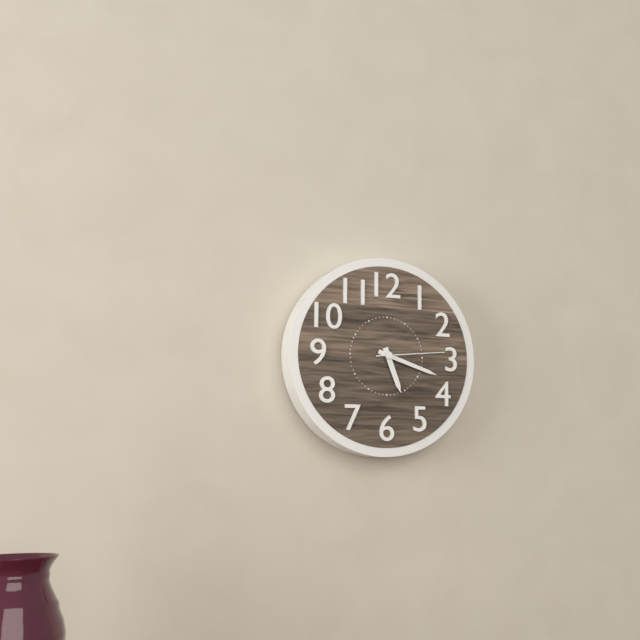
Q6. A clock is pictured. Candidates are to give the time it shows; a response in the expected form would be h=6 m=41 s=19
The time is h=5 m=18 s=14
